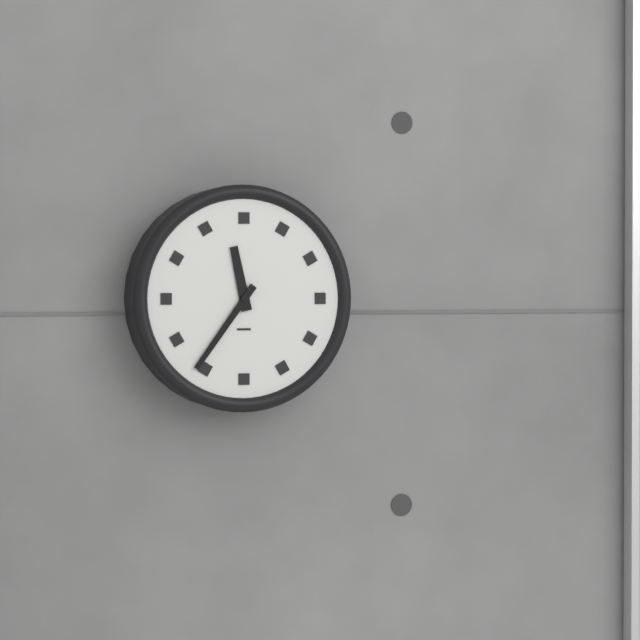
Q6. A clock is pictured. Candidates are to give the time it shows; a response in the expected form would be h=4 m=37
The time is h=11 m=36
